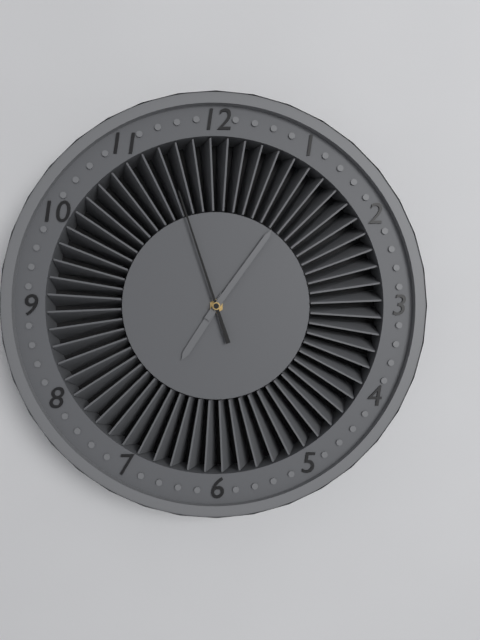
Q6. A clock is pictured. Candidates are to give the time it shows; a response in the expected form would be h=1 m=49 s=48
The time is h=7 m=6 s=57
